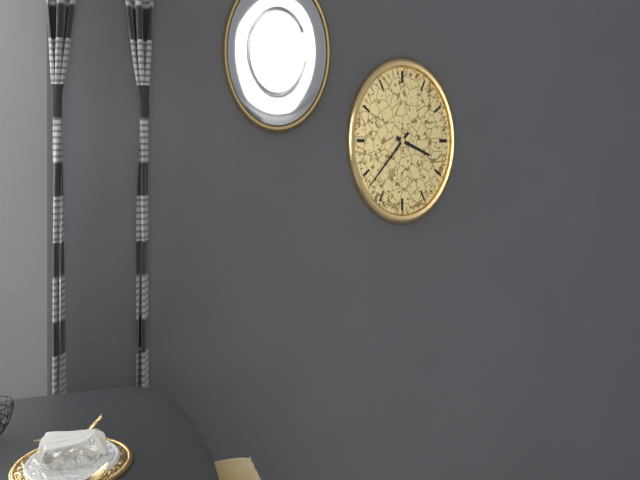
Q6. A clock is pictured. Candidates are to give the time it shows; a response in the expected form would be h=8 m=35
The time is h=3 m=38
